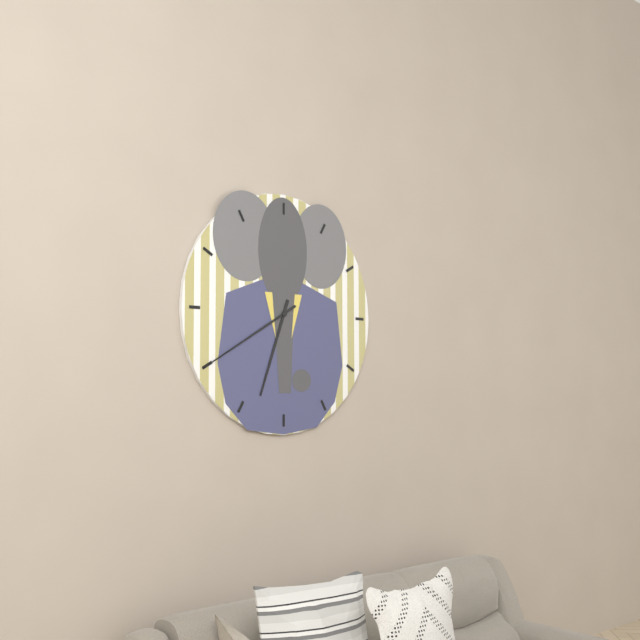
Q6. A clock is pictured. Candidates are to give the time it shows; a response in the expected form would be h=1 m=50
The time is h=6 m=40
